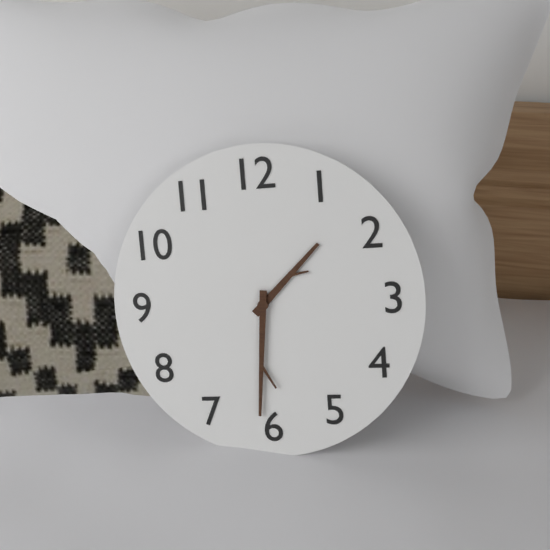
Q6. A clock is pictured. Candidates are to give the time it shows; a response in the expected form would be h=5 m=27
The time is h=1 m=31
